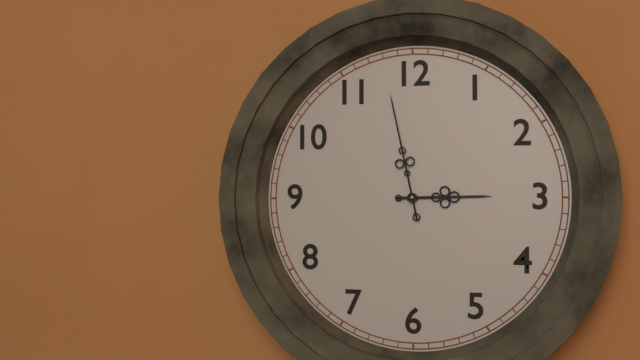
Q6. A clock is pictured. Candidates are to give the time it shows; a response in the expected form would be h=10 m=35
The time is h=2 m=58
